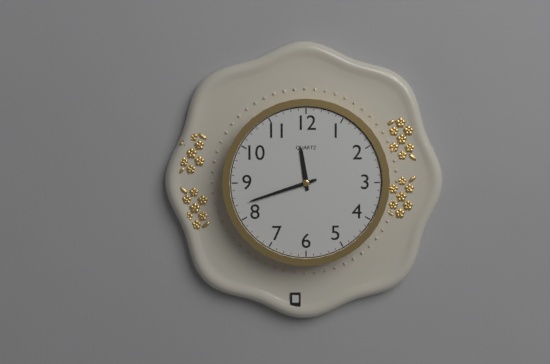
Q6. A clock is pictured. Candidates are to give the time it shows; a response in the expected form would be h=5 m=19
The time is h=11 m=42
